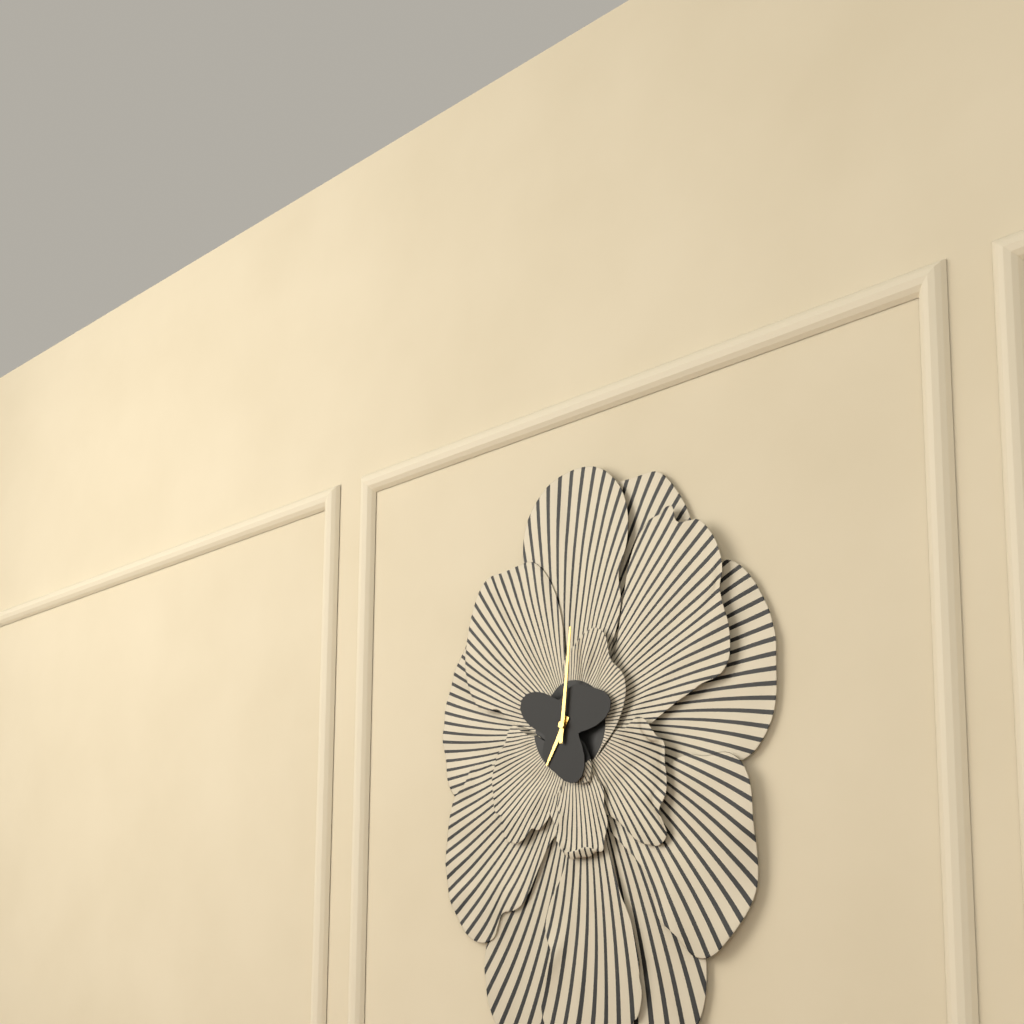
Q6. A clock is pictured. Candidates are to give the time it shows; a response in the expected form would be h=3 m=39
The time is h=7 m=1
